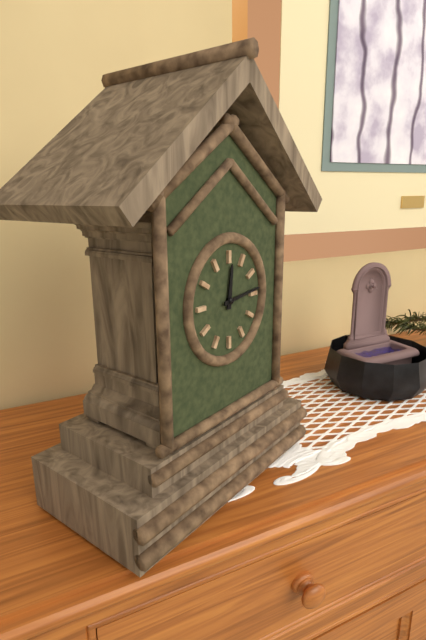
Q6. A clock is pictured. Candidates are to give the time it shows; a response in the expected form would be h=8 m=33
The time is h=12 m=14
